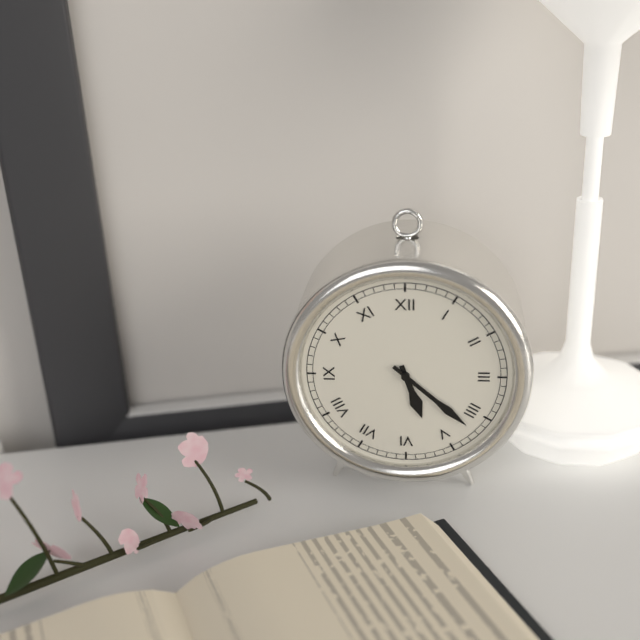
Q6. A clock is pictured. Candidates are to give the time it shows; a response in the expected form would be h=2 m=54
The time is h=5 m=22
